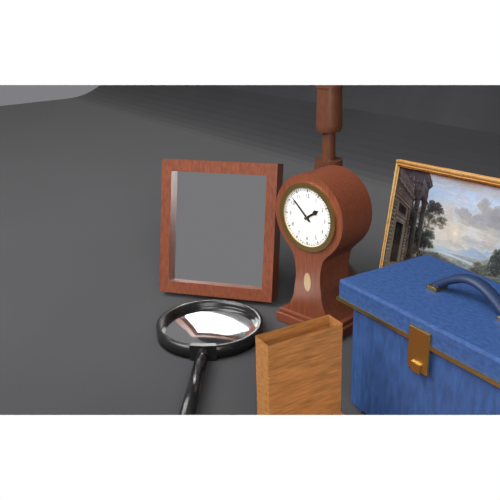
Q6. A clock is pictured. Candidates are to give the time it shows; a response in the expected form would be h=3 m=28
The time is h=1 m=52
